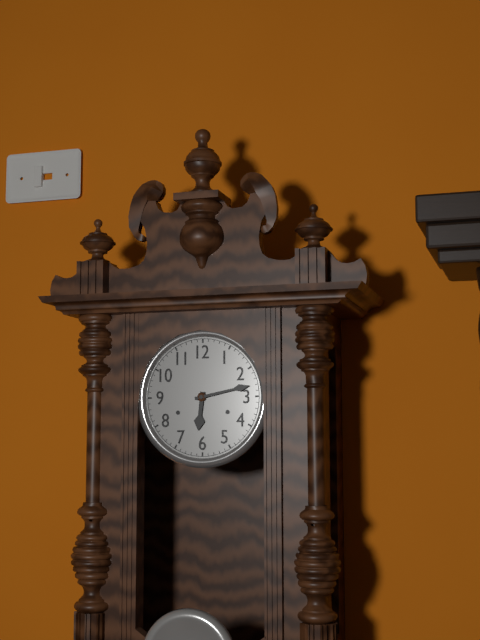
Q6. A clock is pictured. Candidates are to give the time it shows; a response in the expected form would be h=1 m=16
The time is h=6 m=13
